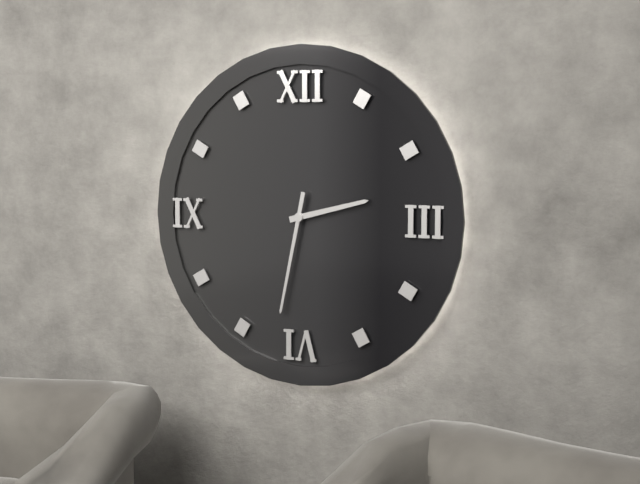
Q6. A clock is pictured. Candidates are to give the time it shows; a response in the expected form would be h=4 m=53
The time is h=2 m=32
